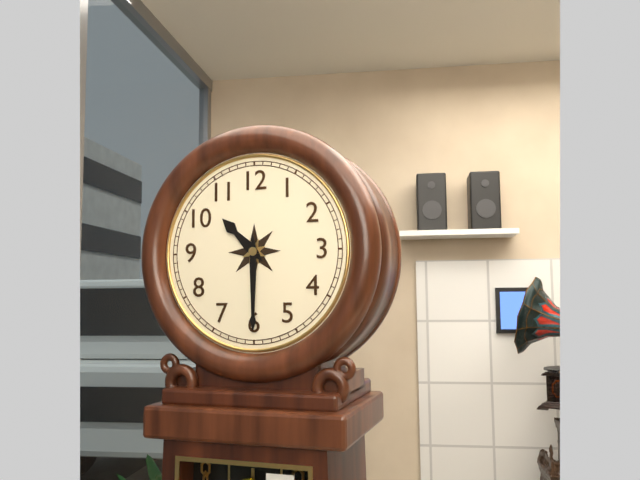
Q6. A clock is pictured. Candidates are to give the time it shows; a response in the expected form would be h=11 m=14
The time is h=10 m=30
